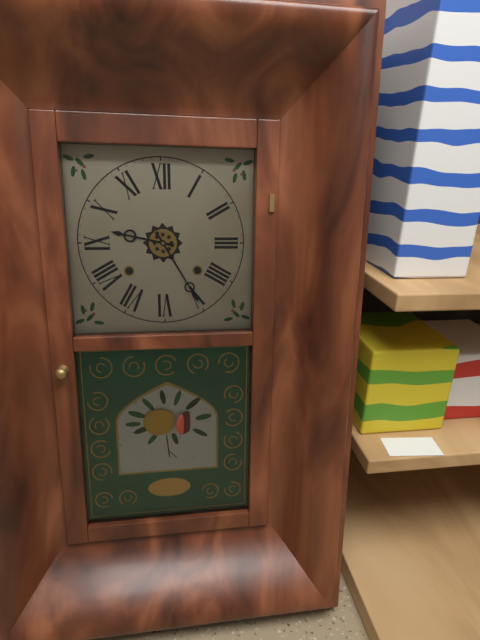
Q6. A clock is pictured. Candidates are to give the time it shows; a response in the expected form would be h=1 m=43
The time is h=9 m=25
